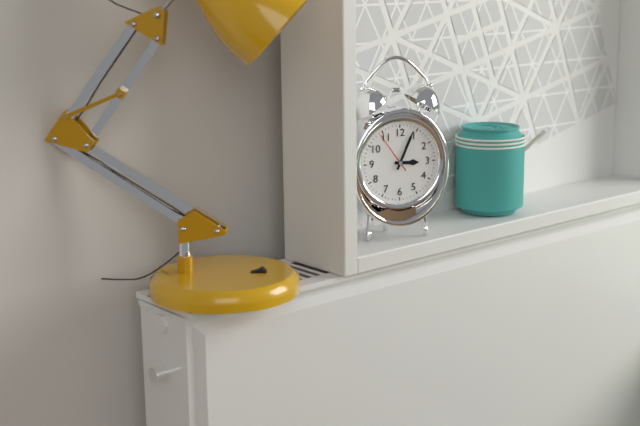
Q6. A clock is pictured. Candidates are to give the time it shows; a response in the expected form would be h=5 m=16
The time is h=3 m=4
